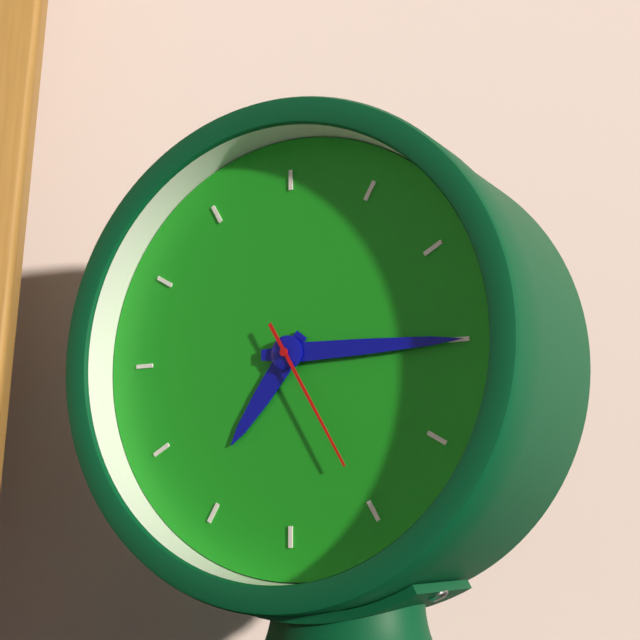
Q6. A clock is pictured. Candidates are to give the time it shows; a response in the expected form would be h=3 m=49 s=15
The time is h=7 m=15 s=25
